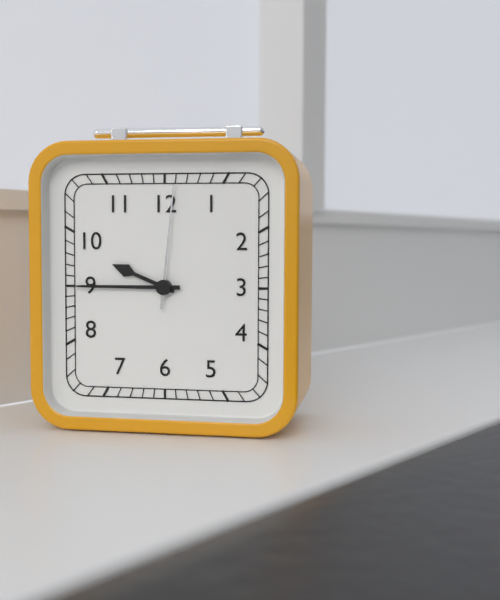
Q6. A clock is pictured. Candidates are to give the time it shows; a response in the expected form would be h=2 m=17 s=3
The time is h=9 m=45 s=1
